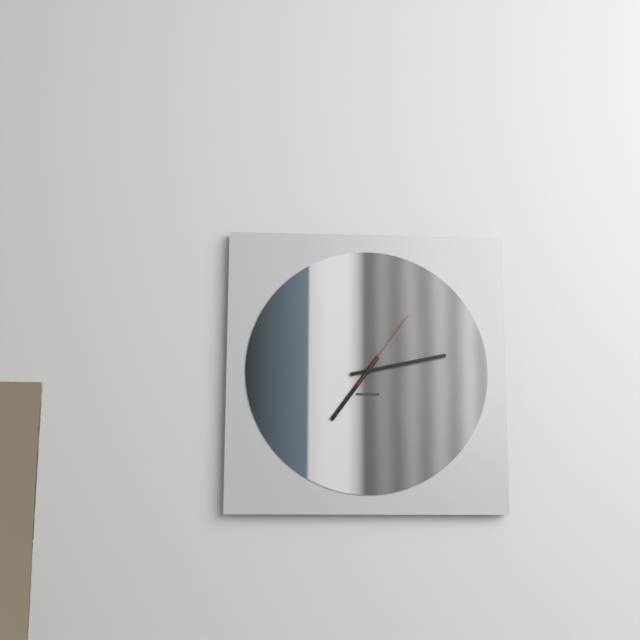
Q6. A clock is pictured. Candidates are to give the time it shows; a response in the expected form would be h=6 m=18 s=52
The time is h=7 m=13 s=6
